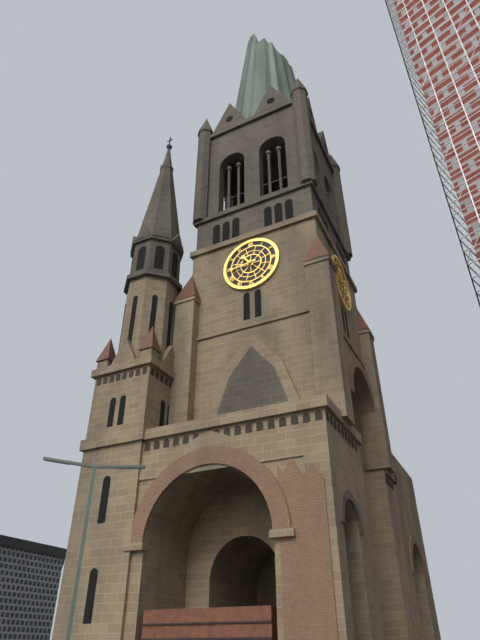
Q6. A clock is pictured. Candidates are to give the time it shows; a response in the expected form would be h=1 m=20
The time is h=10 m=44
